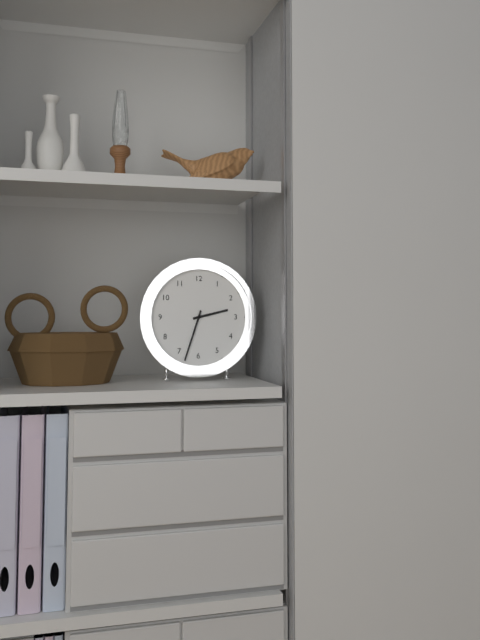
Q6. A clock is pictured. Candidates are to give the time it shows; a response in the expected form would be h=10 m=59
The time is h=2 m=33
